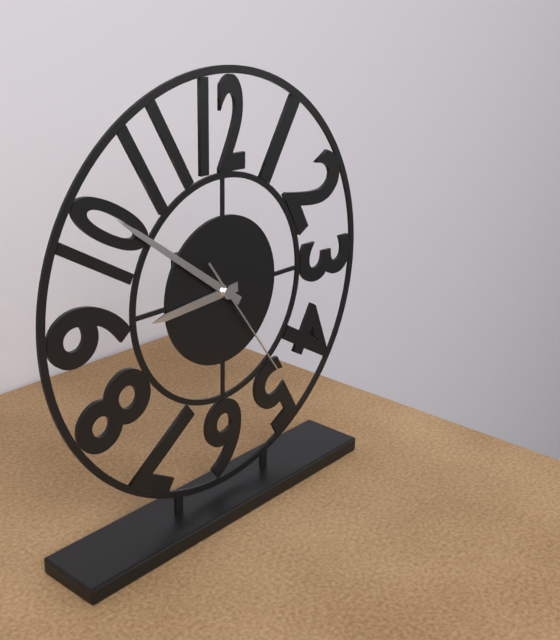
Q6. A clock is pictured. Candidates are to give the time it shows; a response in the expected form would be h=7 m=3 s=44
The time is h=8 m=51 s=24
